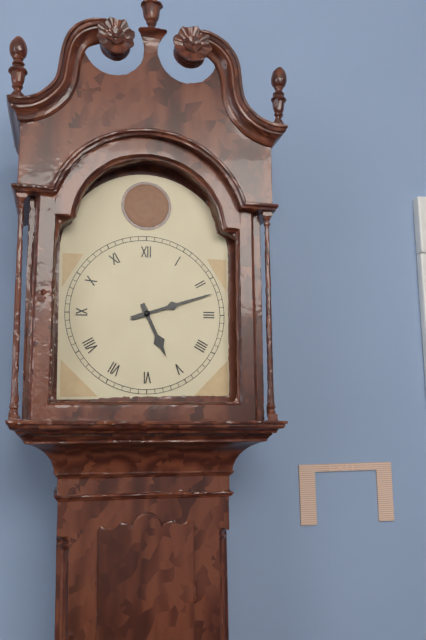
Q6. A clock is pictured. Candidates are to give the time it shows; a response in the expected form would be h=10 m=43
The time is h=5 m=12
